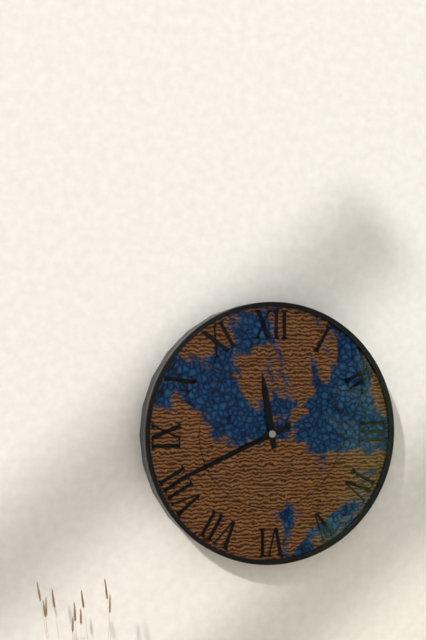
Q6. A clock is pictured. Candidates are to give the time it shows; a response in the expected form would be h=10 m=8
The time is h=11 m=41
